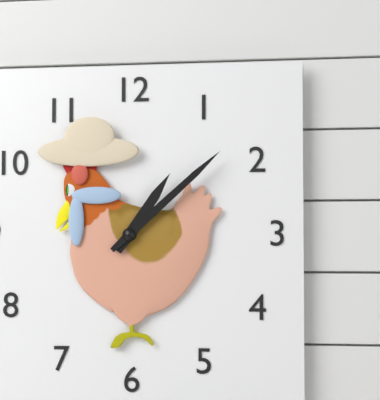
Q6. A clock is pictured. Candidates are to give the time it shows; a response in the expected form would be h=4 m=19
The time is h=1 m=8
